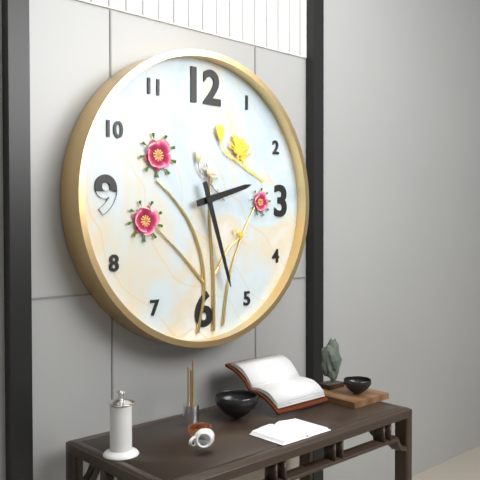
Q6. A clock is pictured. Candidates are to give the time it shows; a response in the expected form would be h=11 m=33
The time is h=2 m=27
